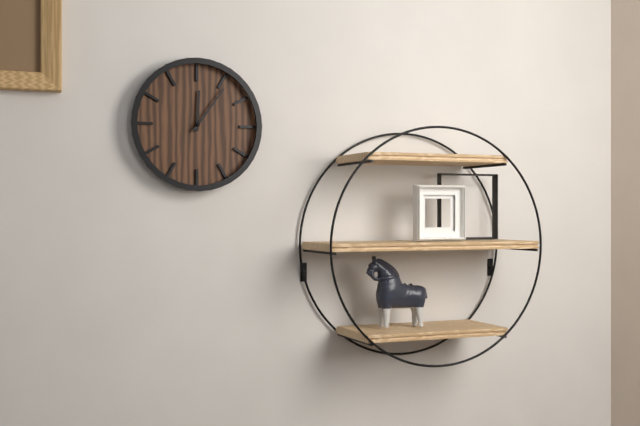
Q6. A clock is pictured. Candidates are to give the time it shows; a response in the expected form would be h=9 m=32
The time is h=12 m=6
